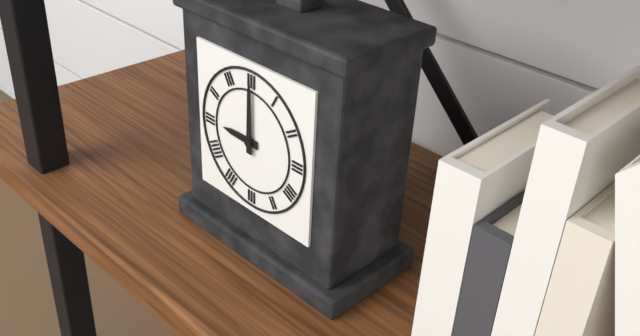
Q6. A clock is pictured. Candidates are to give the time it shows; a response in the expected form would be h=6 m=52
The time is h=9 m=0
